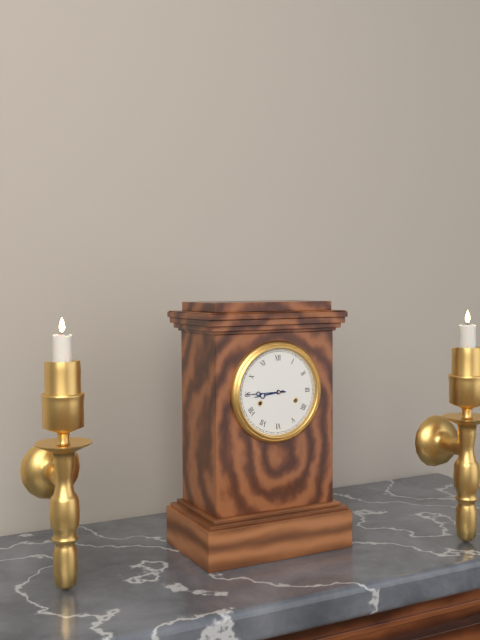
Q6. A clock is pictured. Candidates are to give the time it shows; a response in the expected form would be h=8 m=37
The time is h=8 m=45
